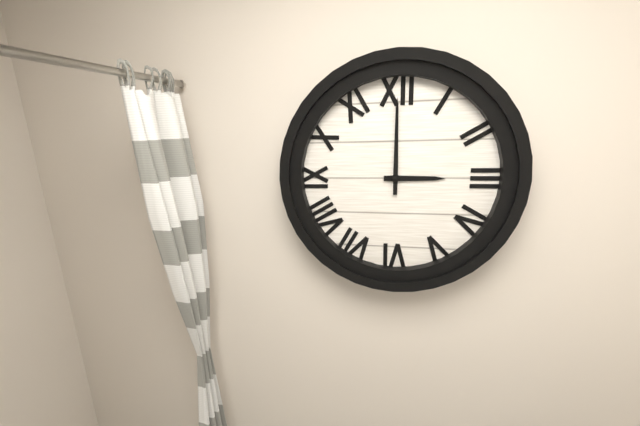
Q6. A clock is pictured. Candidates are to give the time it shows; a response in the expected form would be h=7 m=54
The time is h=3 m=0
